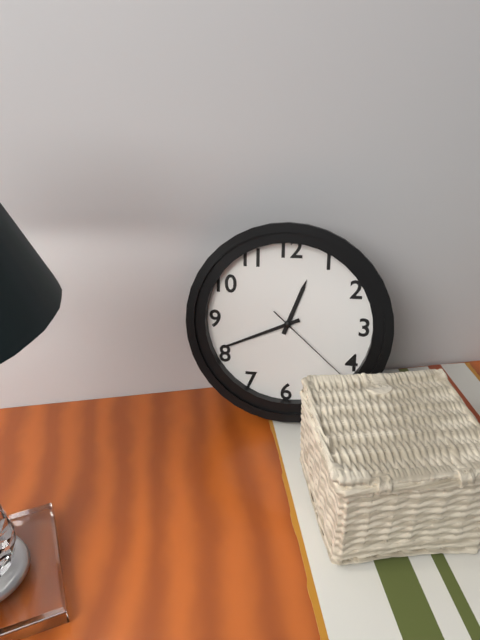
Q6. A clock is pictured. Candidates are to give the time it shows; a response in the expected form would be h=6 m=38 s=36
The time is h=12 m=41 s=22
